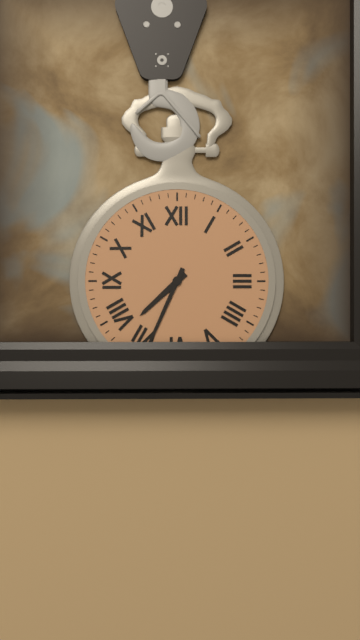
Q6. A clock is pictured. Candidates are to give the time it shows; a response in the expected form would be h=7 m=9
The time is h=7 m=34
